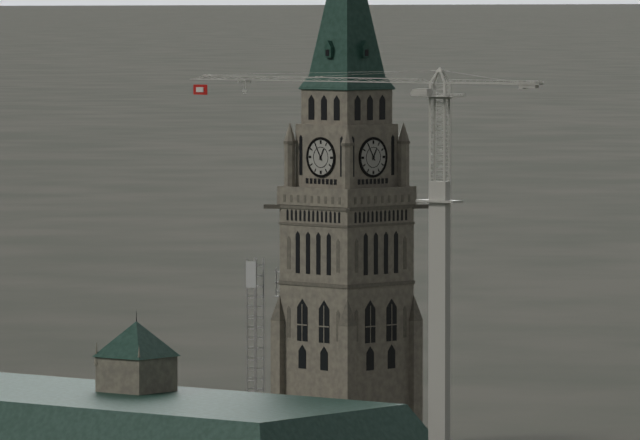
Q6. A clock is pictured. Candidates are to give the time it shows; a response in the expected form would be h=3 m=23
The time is h=12 m=55
